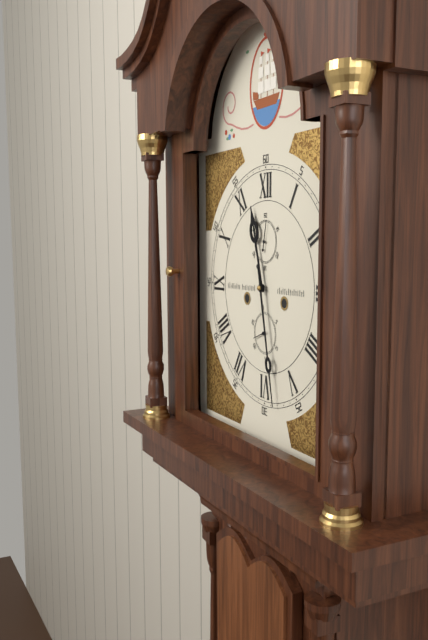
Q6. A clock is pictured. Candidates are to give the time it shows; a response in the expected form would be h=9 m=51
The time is h=11 m=28
